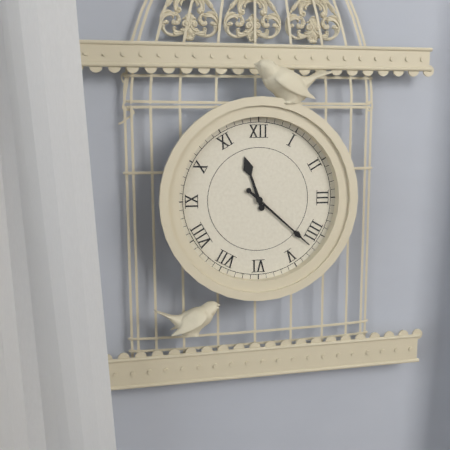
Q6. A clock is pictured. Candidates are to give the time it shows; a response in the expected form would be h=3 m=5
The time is h=11 m=22
